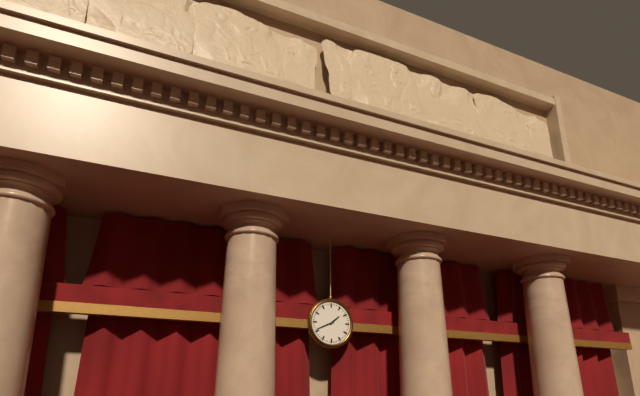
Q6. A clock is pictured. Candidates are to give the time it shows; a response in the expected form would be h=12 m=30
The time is h=1 m=41
